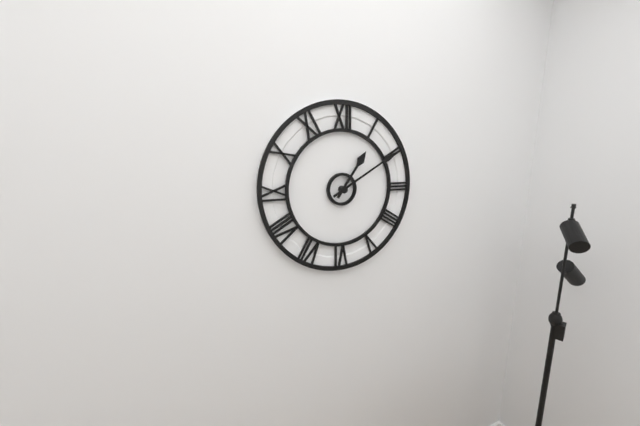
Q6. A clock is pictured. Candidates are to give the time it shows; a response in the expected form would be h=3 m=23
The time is h=1 m=10
